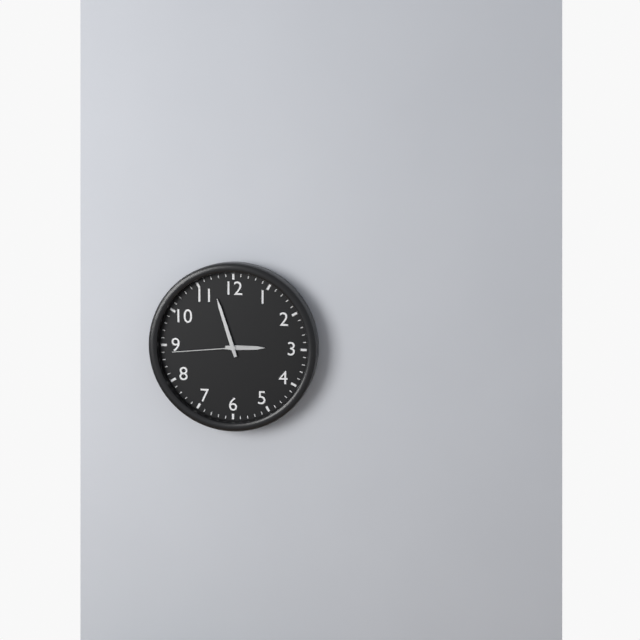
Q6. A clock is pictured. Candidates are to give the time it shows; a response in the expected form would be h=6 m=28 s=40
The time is h=2 m=57 s=44
